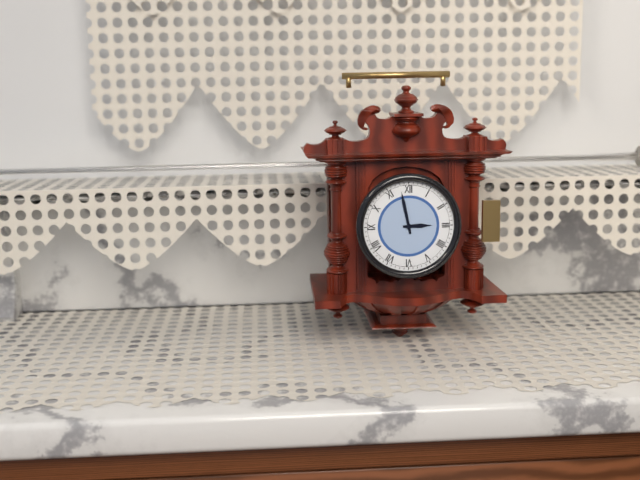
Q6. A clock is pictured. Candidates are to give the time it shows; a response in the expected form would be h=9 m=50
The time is h=2 m=58
